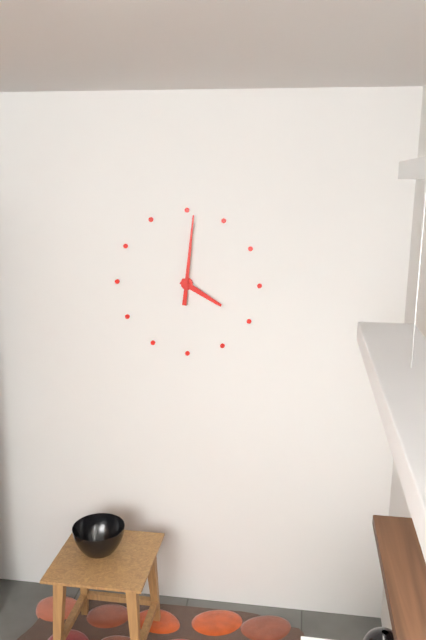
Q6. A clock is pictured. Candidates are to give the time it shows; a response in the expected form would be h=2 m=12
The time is h=4 m=1
